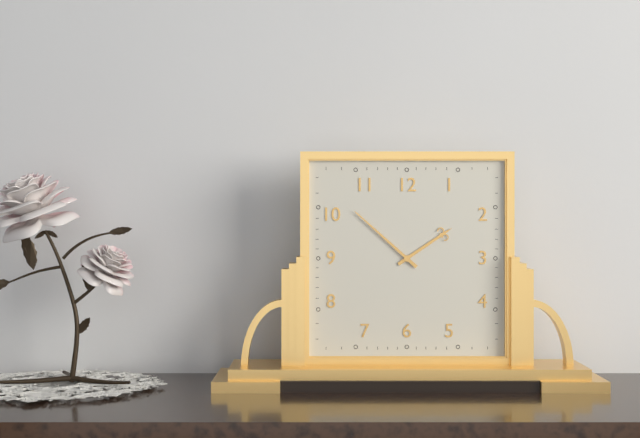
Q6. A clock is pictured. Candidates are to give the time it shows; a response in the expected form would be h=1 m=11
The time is h=1 m=52
